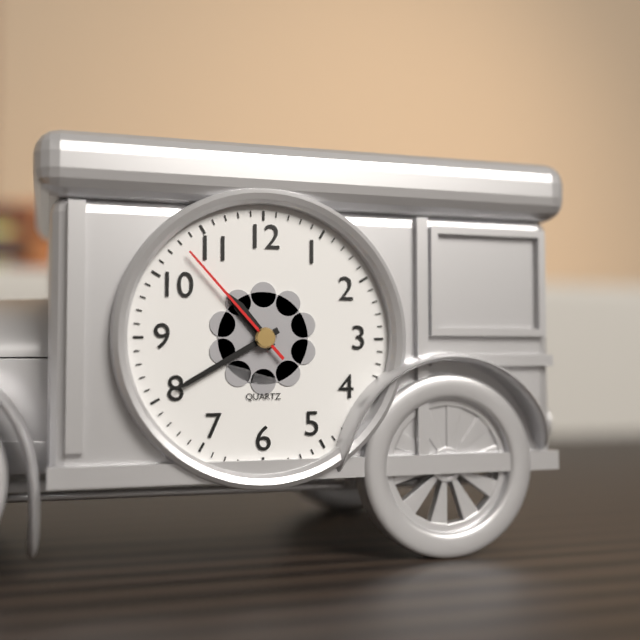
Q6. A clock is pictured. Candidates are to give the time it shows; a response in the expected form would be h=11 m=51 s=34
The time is h=10 m=40 s=53
